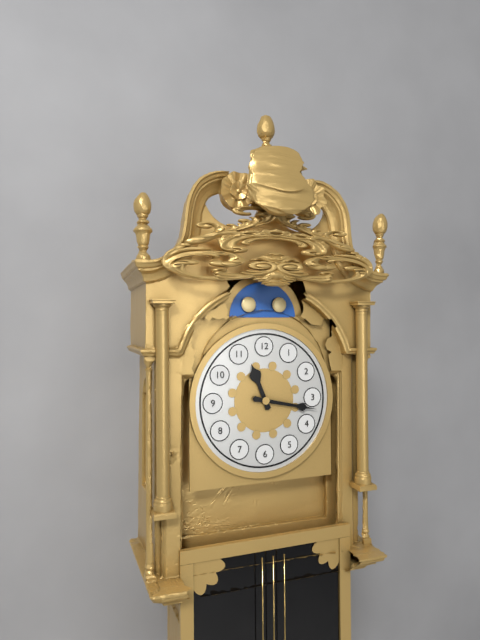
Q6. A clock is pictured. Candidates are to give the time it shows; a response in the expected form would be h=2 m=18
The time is h=11 m=17
